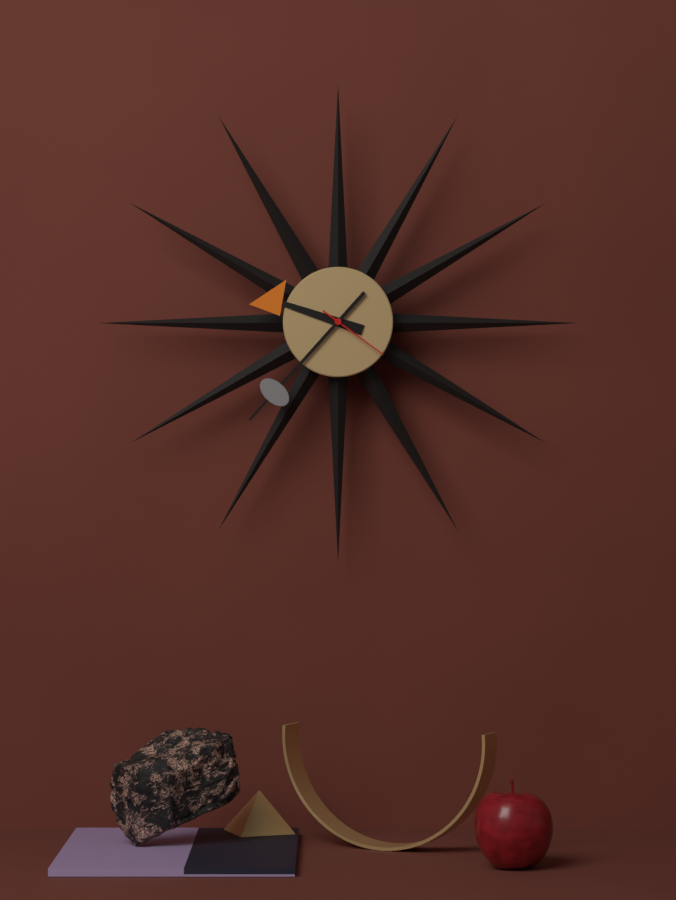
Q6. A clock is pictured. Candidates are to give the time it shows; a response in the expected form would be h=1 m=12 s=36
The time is h=9 m=37 s=21
